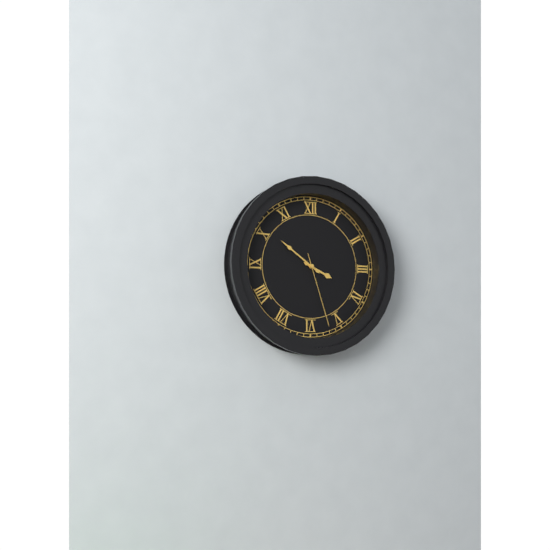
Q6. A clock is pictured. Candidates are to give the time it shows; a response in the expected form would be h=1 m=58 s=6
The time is h=3 m=51 s=27
